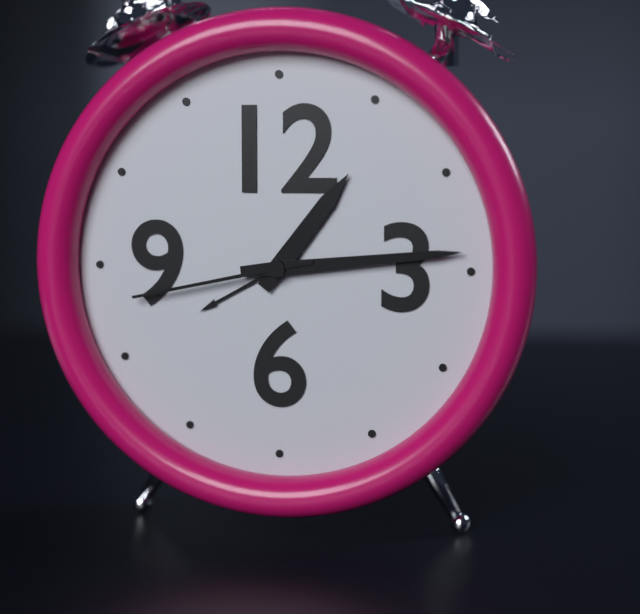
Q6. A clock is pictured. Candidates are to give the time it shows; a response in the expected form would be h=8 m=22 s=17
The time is h=1 m=14 s=43
